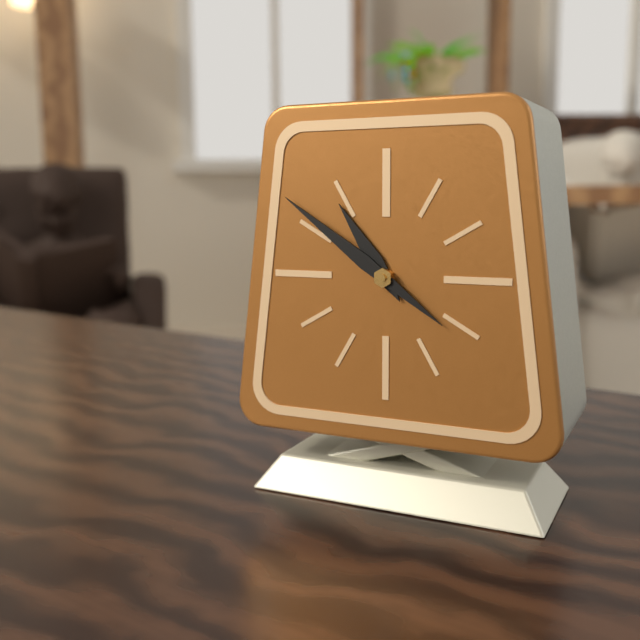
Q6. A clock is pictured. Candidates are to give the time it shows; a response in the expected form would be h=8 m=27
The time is h=10 m=51
